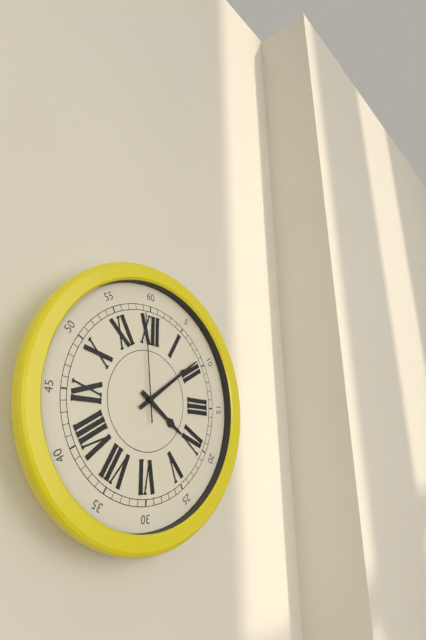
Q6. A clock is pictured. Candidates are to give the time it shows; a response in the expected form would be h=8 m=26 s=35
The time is h=4 m=9 s=59
